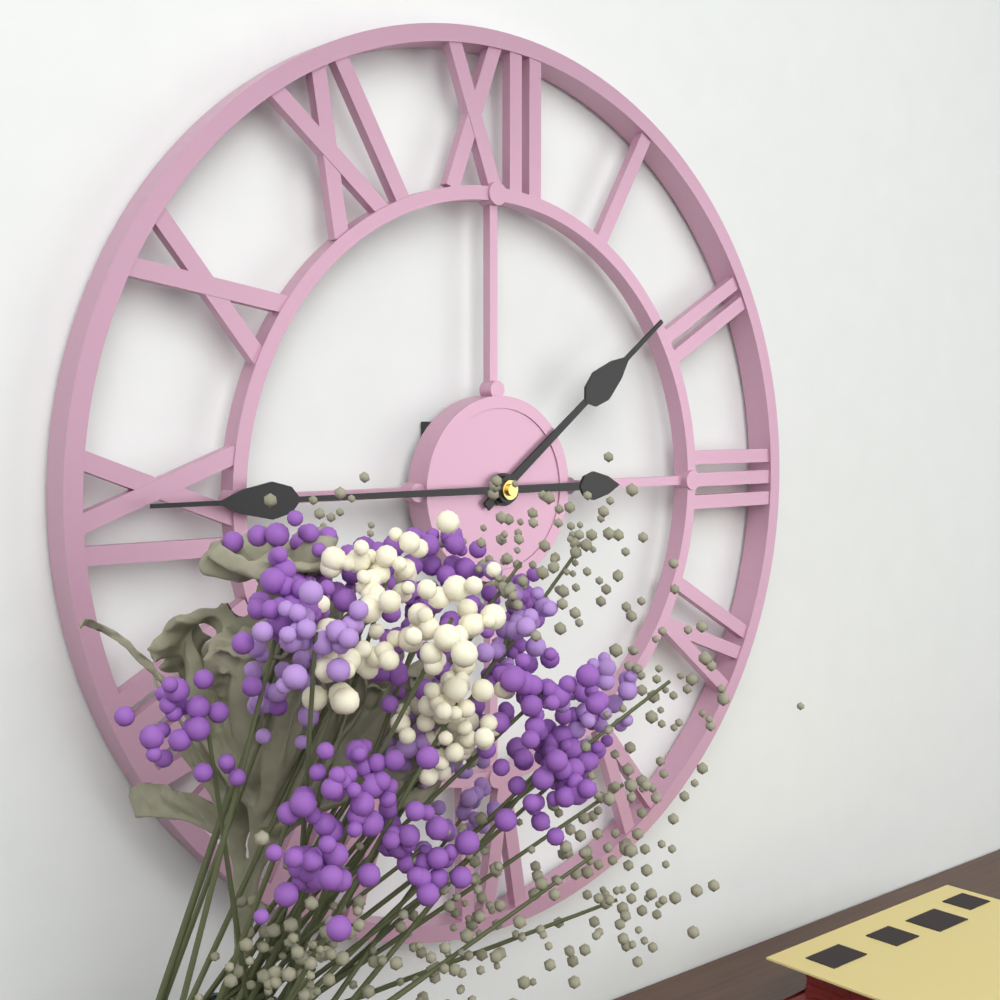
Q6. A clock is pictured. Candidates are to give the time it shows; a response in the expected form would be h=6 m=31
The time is h=1 m=45
